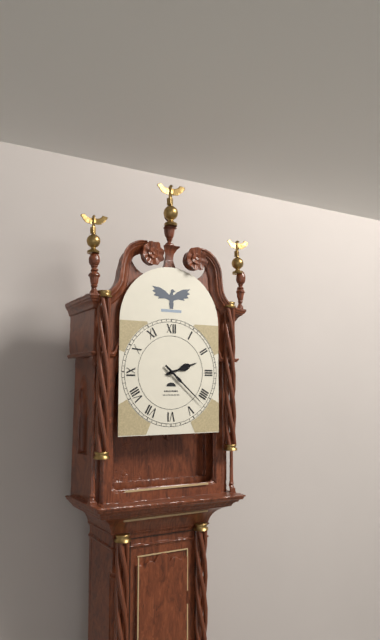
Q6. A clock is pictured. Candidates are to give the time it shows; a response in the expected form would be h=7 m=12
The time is h=2 m=22
